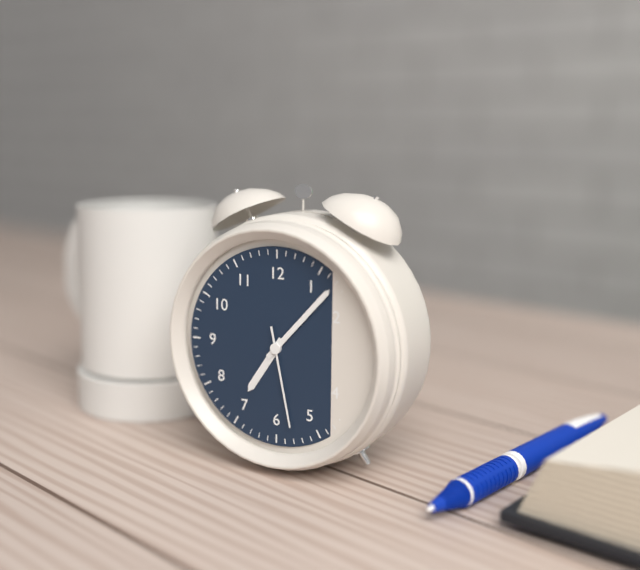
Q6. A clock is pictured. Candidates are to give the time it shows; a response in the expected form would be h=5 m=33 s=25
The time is h=7 m=7 s=28
